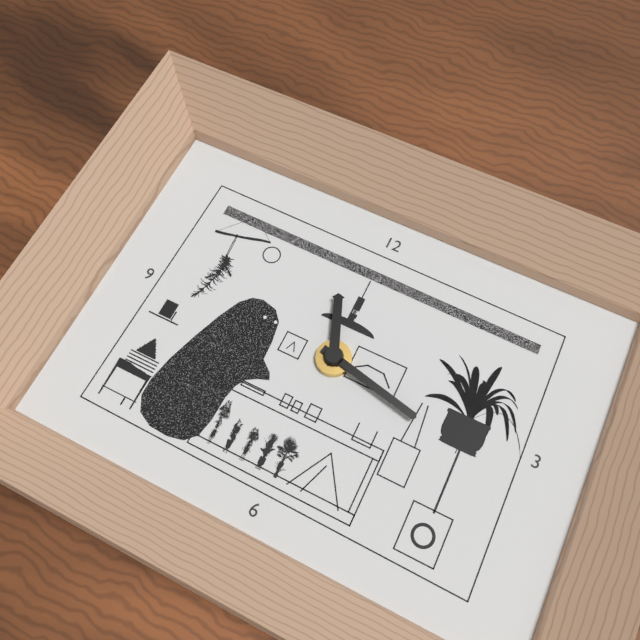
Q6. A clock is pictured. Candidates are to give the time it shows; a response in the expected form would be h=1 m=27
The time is h=11 m=17
